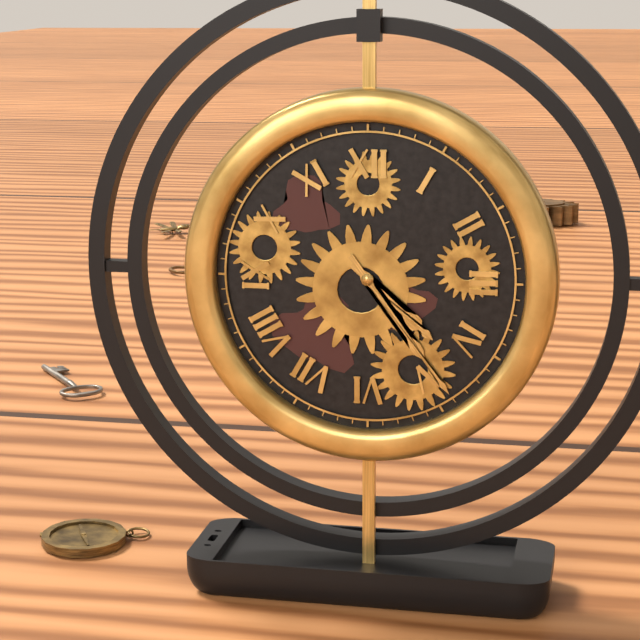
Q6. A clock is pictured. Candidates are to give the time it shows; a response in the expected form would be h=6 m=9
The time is h=4 m=24
